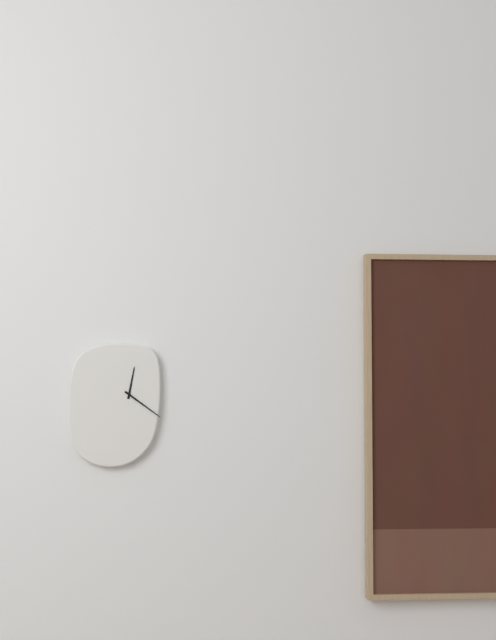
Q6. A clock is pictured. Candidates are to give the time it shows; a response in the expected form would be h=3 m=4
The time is h=12 m=21
